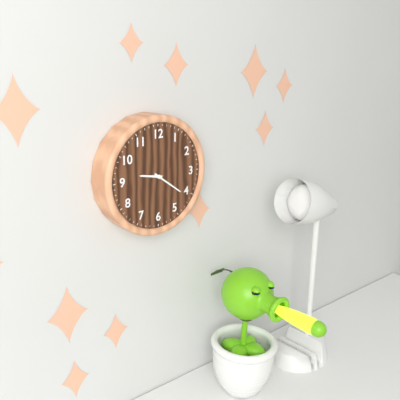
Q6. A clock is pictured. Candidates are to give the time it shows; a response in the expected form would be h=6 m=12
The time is h=9 m=21
